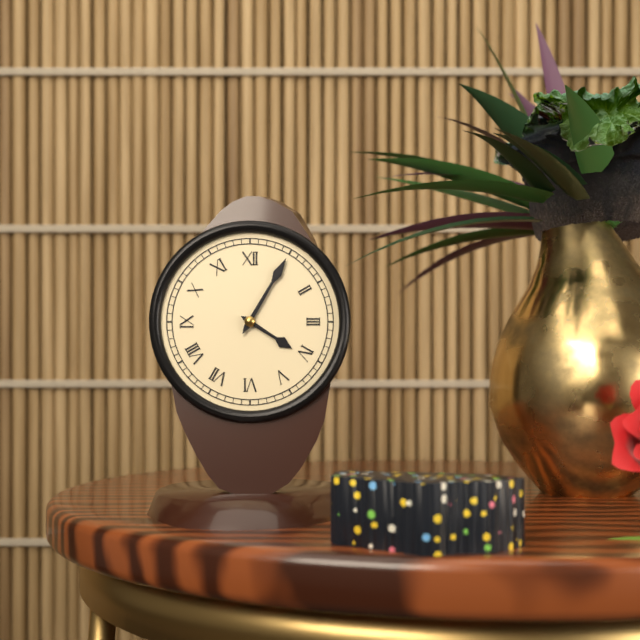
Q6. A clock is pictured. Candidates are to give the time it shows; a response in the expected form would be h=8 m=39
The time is h=4 m=5
